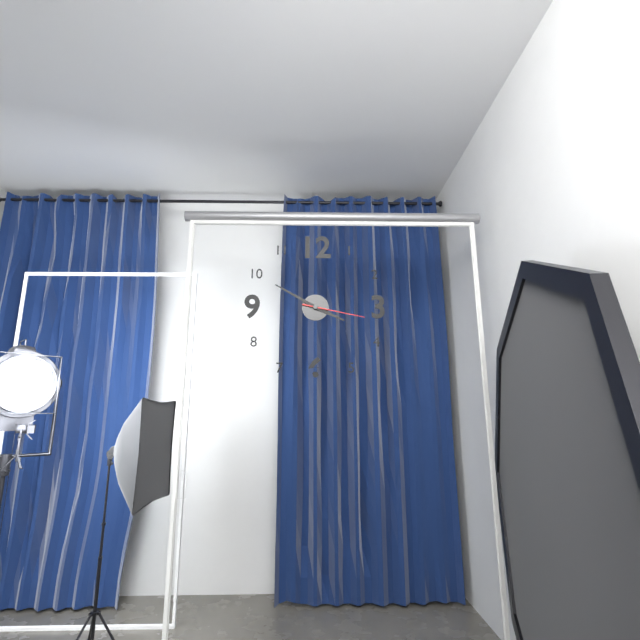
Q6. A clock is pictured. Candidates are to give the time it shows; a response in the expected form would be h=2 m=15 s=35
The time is h=3 m=50 s=17
